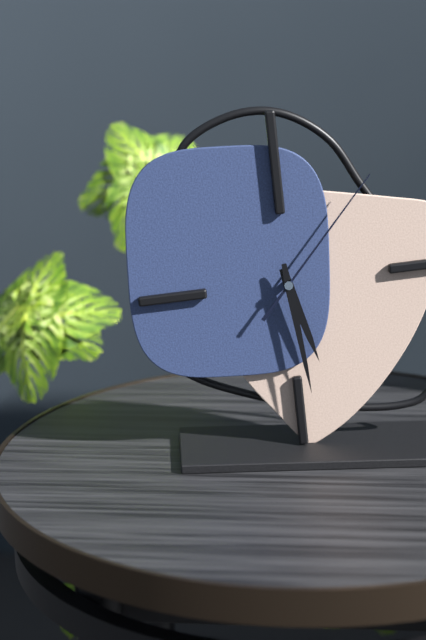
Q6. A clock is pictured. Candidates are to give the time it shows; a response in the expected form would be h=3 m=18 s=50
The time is h=5 m=29 s=7
